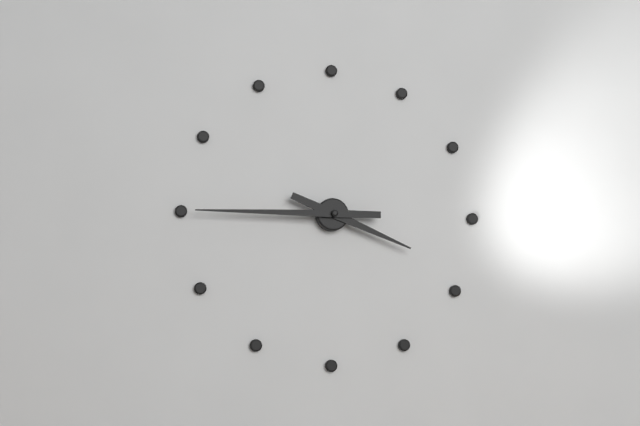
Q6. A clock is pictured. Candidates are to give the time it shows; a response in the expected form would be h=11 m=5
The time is h=3 m=45
